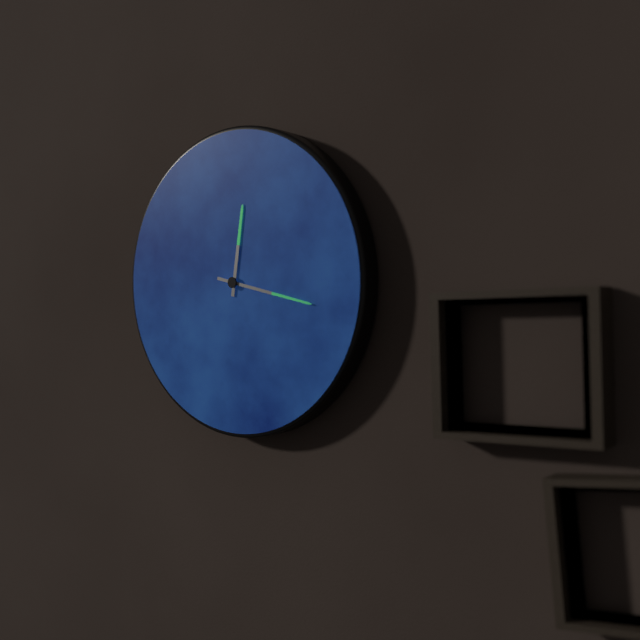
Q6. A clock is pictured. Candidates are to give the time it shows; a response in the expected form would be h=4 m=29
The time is h=12 m=17
